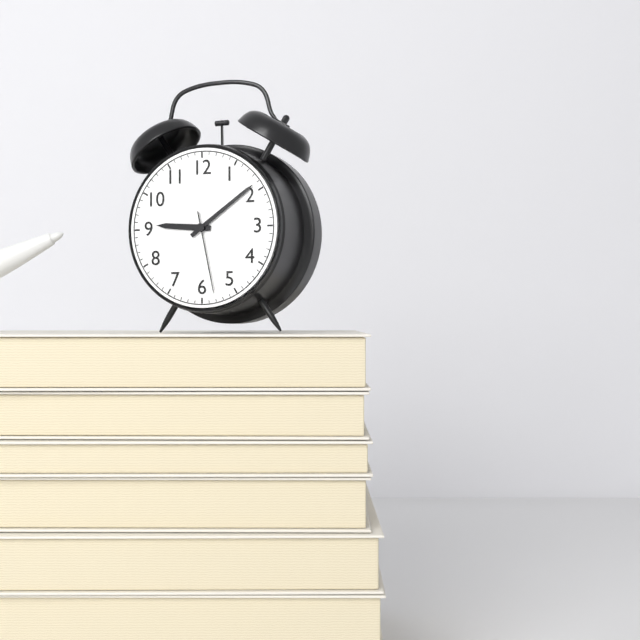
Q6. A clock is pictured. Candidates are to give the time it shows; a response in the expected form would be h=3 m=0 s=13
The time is h=9 m=9 s=28
